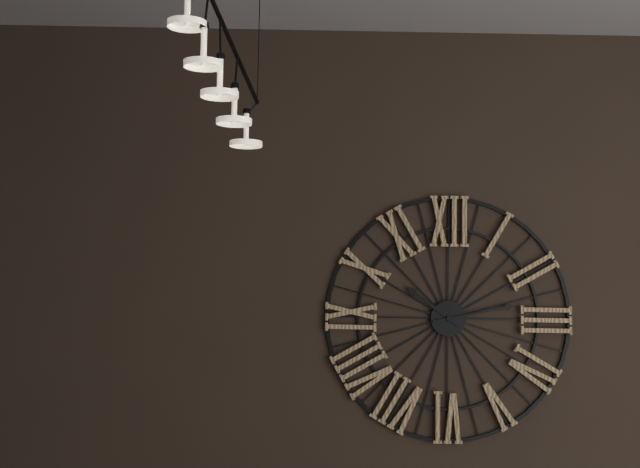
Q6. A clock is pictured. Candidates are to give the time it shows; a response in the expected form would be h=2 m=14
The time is h=10 m=13
